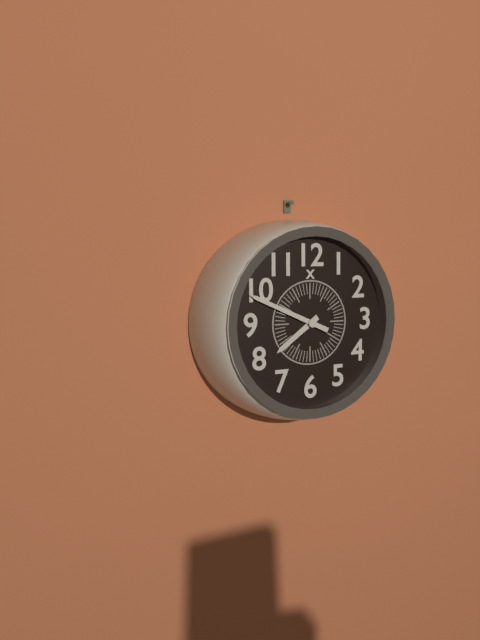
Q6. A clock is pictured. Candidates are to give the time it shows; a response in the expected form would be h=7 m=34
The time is h=7 m=49
